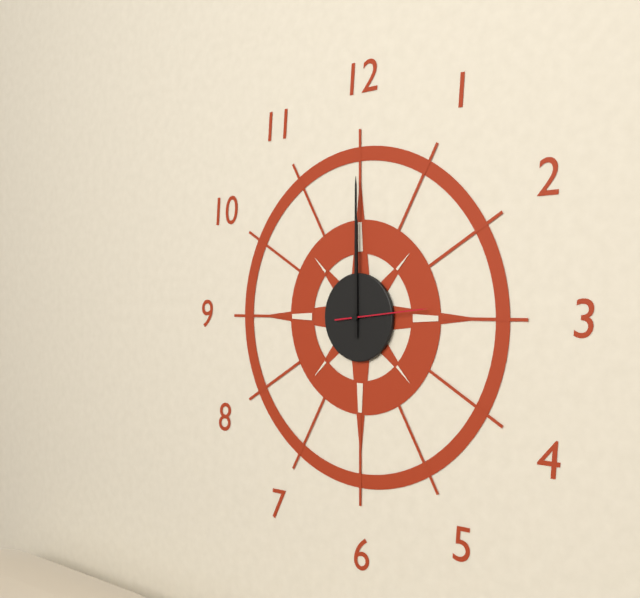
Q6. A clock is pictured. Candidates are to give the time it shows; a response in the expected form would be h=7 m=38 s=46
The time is h=12 m=0 s=14
